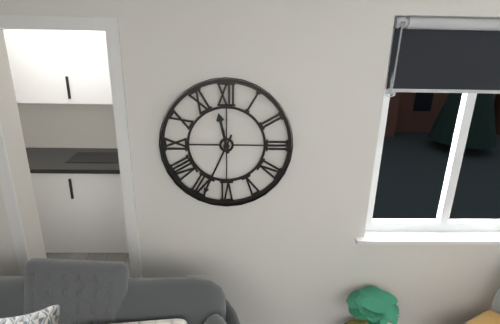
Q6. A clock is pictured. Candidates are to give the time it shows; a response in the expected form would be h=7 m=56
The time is h=11 m=34
